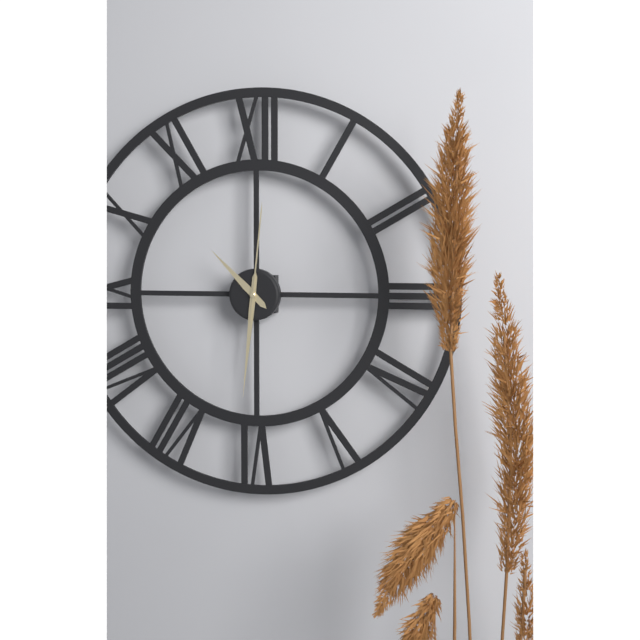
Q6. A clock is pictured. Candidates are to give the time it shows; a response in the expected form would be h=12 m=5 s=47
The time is h=10 m=31 s=1
